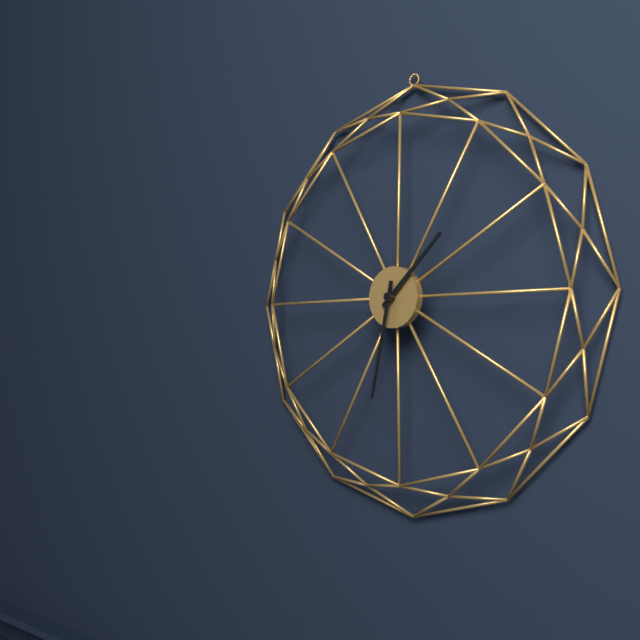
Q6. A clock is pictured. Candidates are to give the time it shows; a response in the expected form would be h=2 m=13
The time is h=1 m=32
